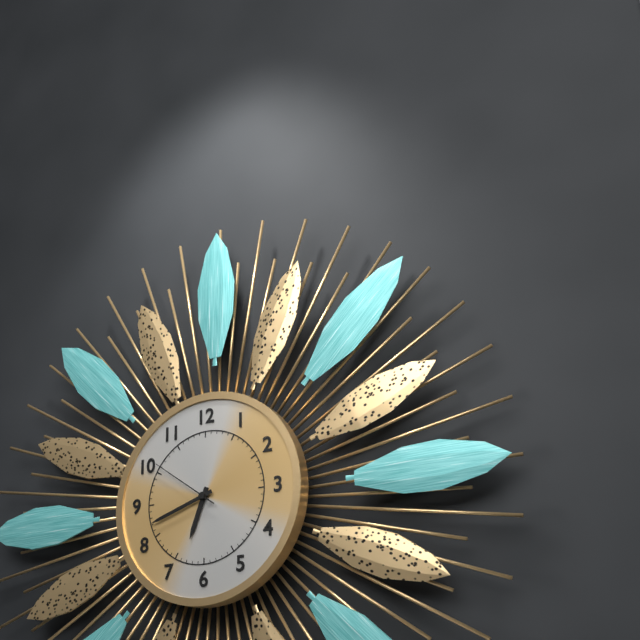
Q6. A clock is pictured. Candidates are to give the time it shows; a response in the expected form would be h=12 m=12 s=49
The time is h=6 m=42 s=51
